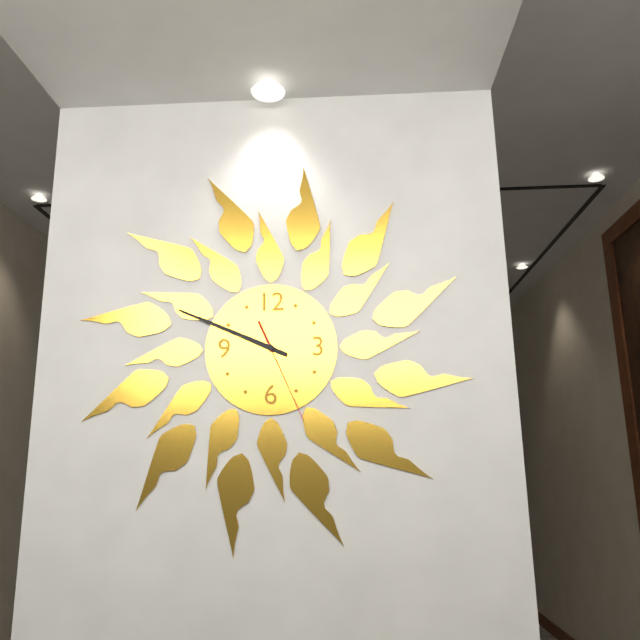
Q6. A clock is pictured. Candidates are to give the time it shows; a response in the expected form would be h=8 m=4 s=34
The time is h=9 m=49 s=26
